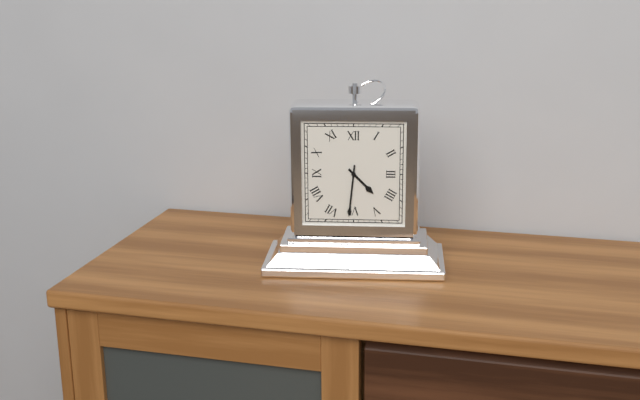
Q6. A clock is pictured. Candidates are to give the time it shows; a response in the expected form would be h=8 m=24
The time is h=4 m=31
